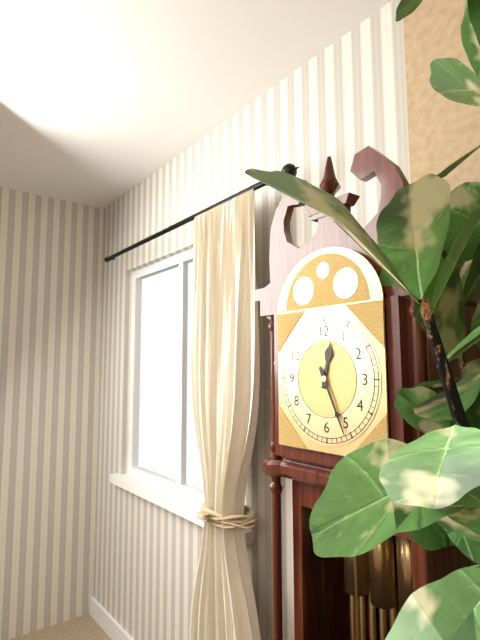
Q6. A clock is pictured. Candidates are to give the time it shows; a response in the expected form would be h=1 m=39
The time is h=12 m=26
